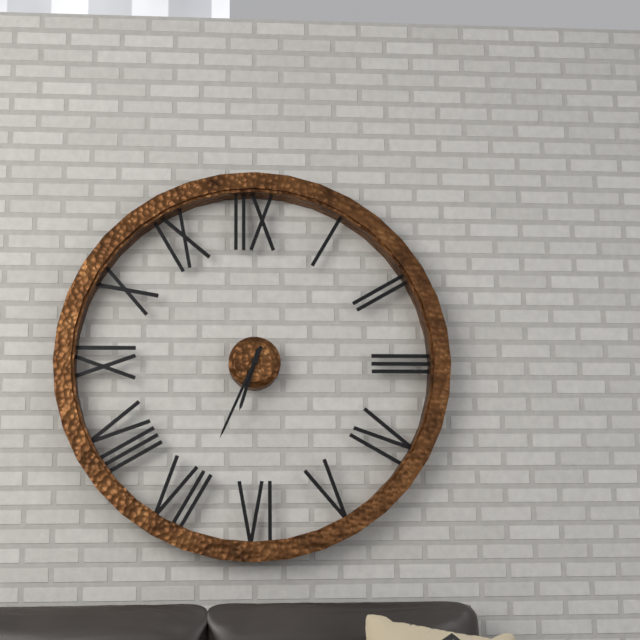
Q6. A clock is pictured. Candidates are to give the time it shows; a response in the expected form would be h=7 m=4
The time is h=6 m=34
